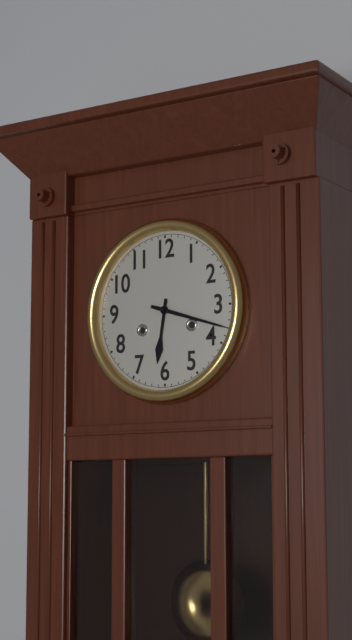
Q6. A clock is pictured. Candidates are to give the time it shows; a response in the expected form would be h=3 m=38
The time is h=6 m=18
